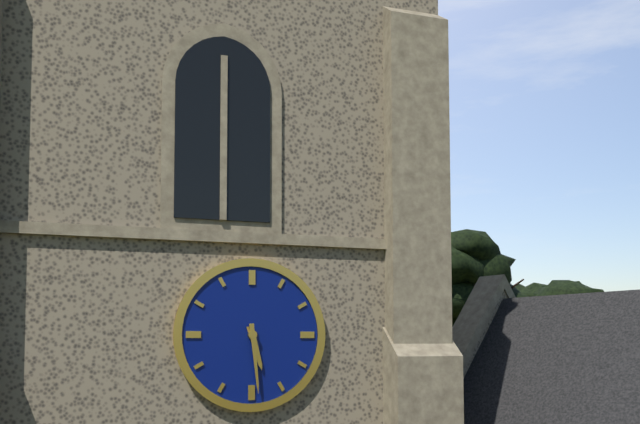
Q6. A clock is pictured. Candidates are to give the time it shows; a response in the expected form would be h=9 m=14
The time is h=5 m=29
